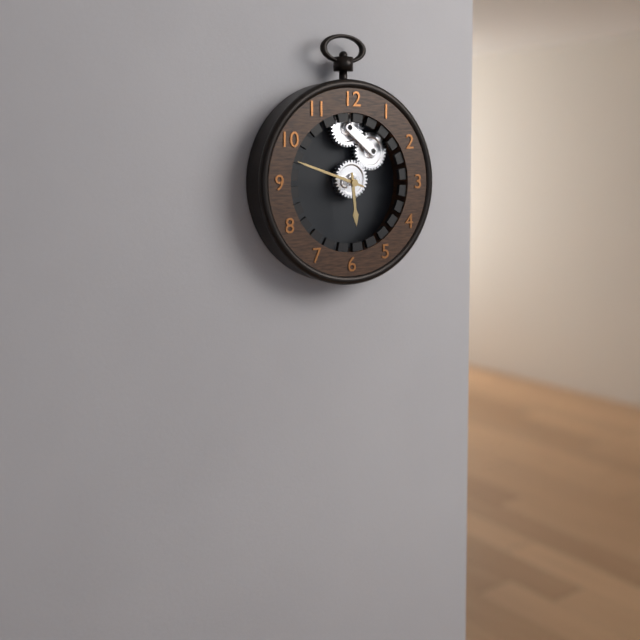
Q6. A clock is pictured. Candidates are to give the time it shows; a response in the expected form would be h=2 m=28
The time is h=5 m=48
